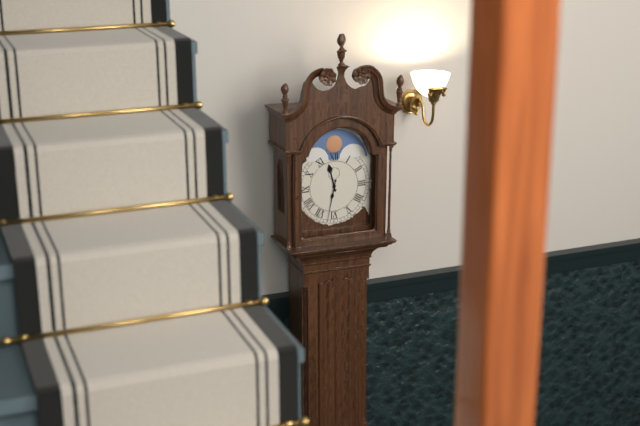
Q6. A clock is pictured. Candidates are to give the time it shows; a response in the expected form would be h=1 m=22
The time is h=11 m=32
